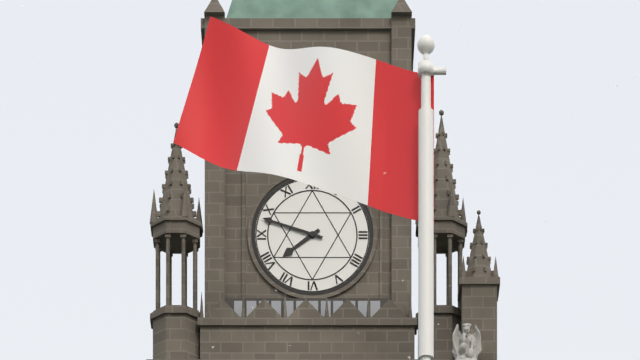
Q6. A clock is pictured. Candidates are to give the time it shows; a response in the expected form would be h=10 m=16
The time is h=7 m=48
